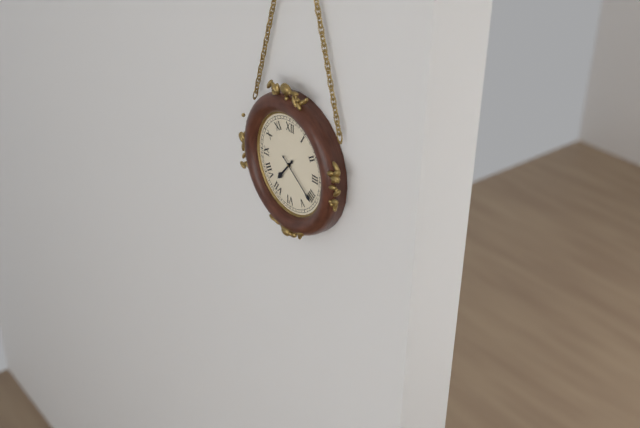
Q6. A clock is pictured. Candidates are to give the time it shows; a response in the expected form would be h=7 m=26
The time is h=7 m=21
